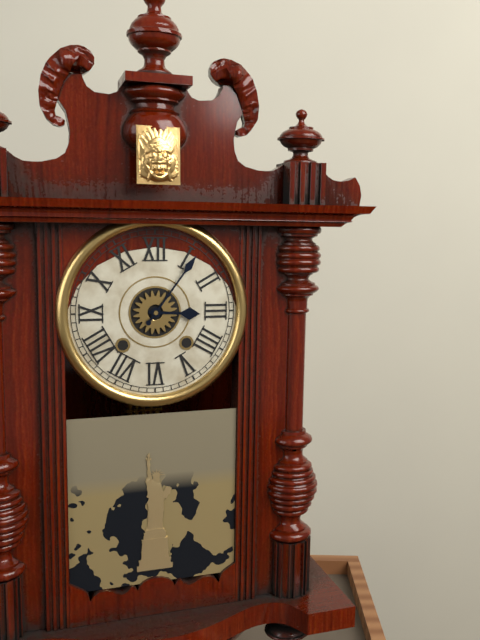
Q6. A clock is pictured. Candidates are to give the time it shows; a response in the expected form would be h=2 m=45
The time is h=3 m=6
